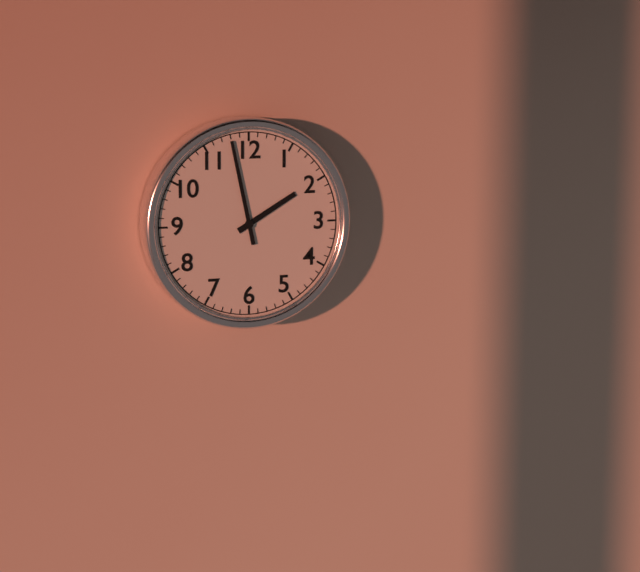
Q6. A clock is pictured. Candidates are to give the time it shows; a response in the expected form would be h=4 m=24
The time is h=1 m=58
